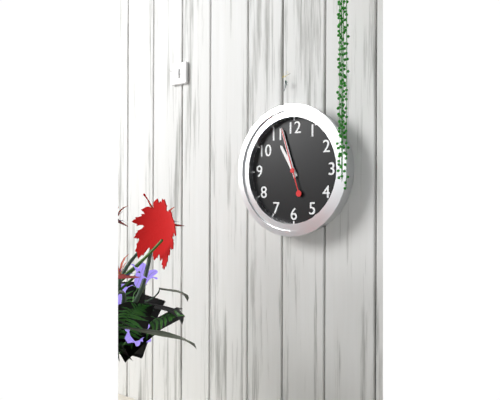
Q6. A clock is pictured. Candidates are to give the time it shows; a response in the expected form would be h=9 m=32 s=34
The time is h=10 m=57 s=57
